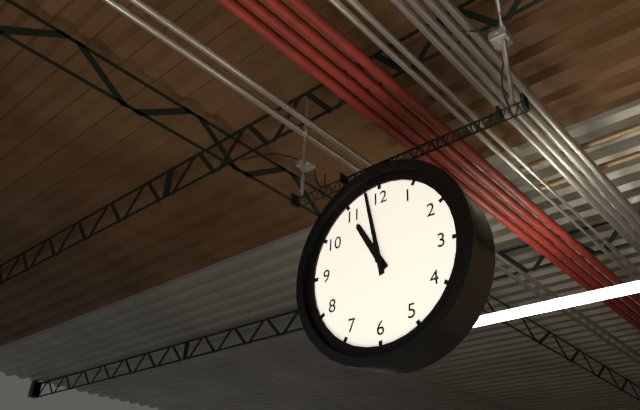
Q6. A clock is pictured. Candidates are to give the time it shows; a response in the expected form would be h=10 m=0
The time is h=10 m=58
